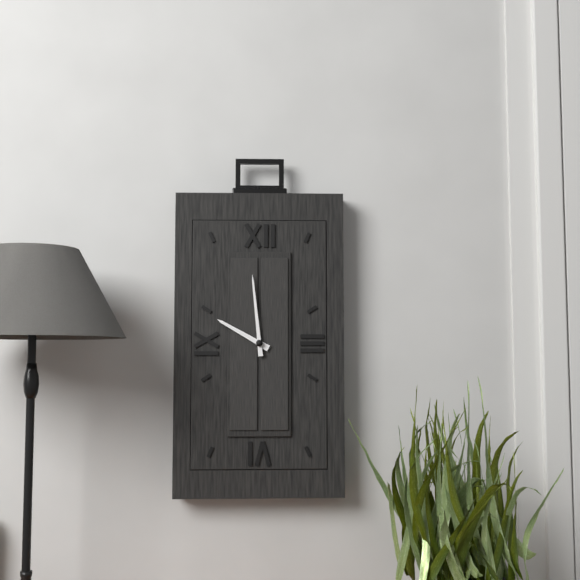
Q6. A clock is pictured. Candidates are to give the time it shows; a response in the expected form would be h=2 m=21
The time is h=9 m=59
